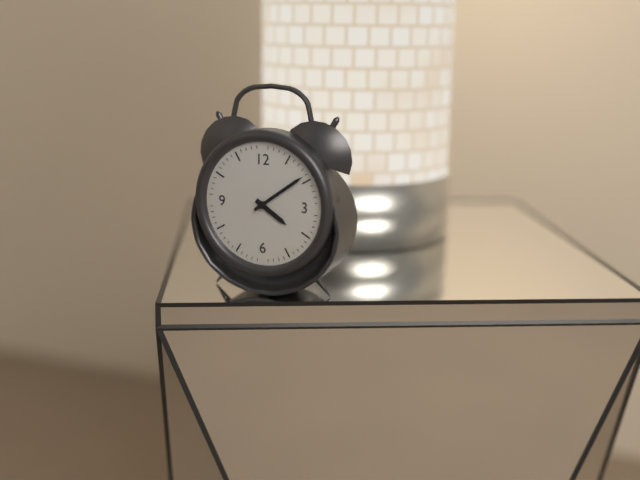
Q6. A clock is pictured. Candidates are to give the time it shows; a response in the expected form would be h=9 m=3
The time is h=4 m=9
